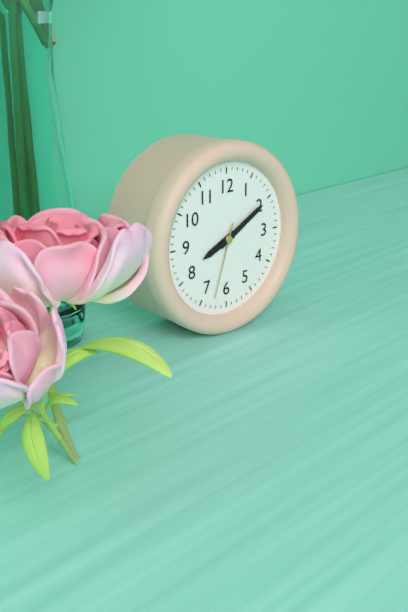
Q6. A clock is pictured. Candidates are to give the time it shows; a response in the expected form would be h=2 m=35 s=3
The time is h=8 m=10 s=33
